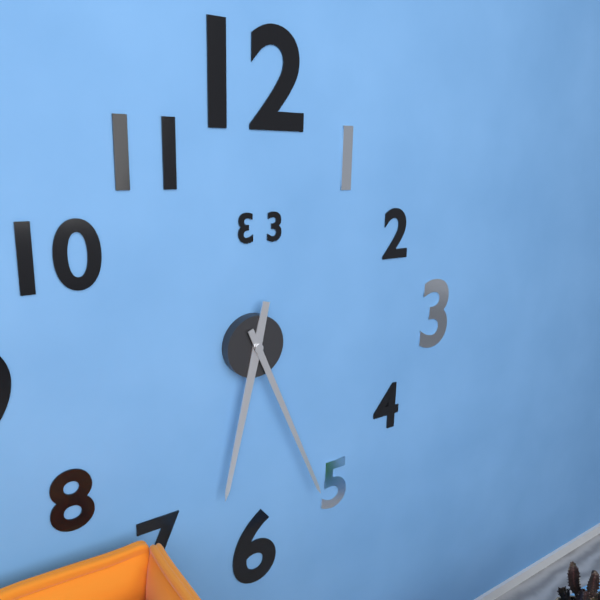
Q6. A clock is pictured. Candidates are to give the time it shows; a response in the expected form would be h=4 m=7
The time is h=6 m=26
